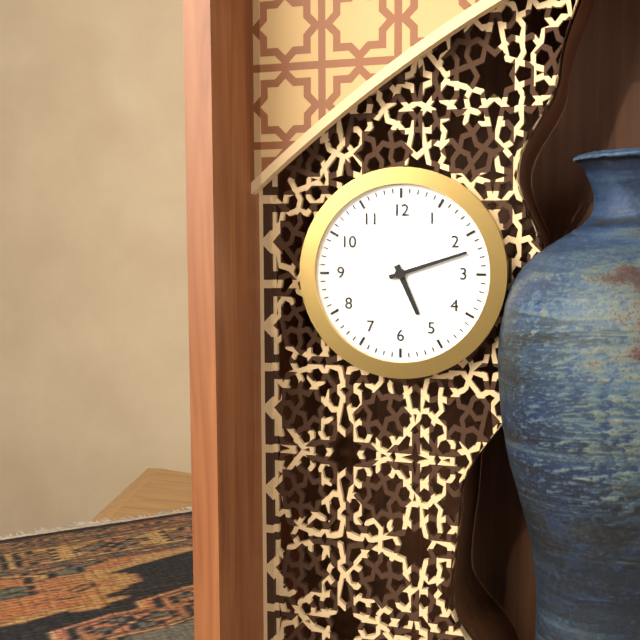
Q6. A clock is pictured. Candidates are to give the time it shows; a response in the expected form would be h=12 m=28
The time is h=5 m=12
